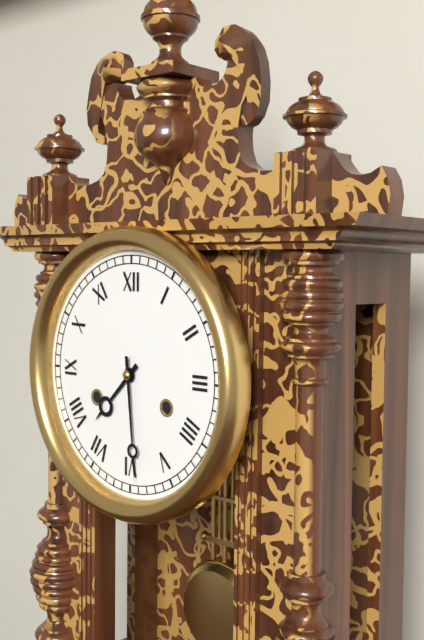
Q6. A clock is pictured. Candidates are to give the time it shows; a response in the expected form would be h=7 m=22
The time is h=7 m=29
